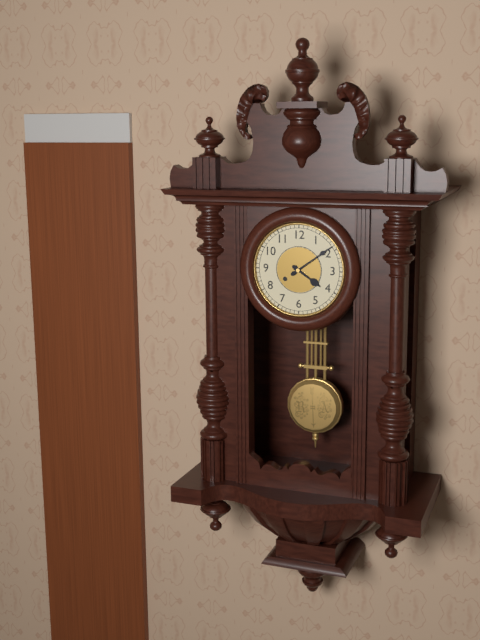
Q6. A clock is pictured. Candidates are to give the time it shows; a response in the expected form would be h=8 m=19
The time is h=4 m=9
